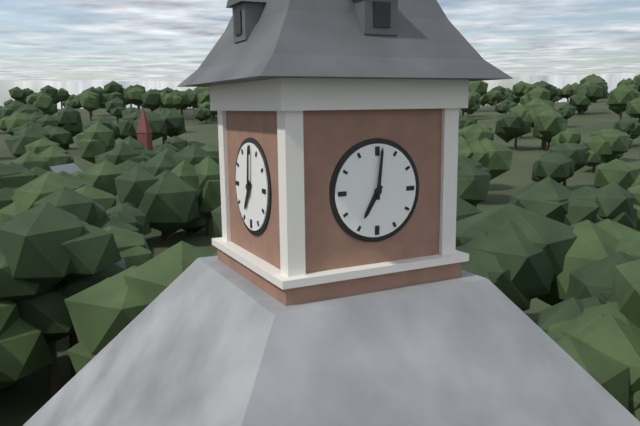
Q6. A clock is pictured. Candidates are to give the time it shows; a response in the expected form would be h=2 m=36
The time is h=7 m=1
